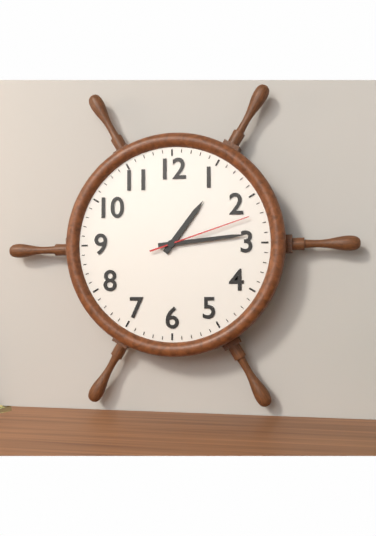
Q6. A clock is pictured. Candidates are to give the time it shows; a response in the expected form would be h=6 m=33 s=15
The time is h=1 m=14 s=12
